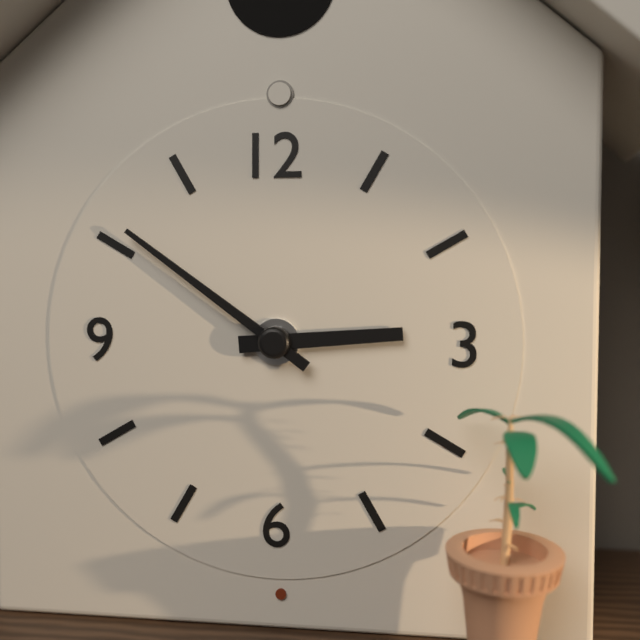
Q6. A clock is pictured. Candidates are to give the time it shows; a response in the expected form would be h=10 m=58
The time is h=2 m=51
